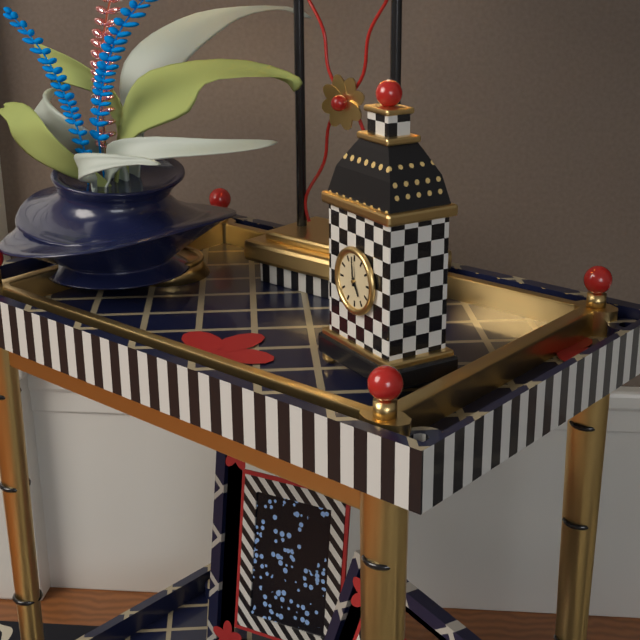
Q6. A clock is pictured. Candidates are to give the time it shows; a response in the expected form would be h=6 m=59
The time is h=4 m=59
